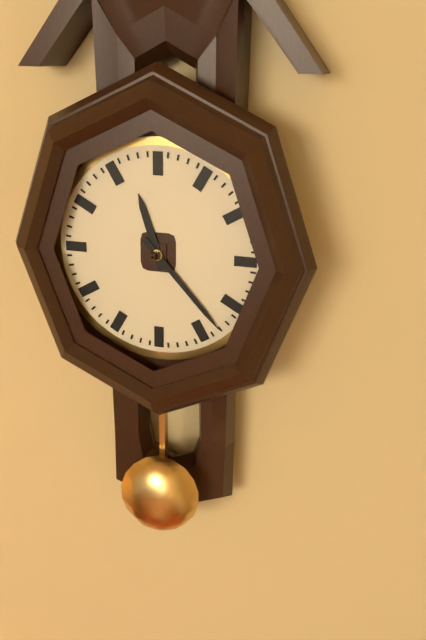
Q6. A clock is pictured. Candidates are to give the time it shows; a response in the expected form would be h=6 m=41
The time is h=11 m=23
